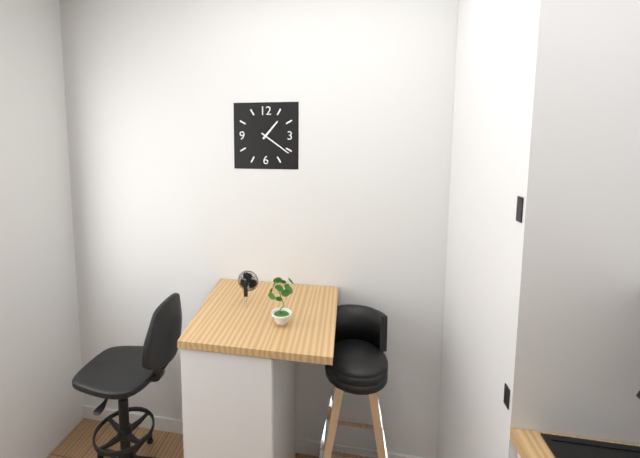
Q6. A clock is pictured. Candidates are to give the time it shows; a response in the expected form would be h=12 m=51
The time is h=1 m=21
